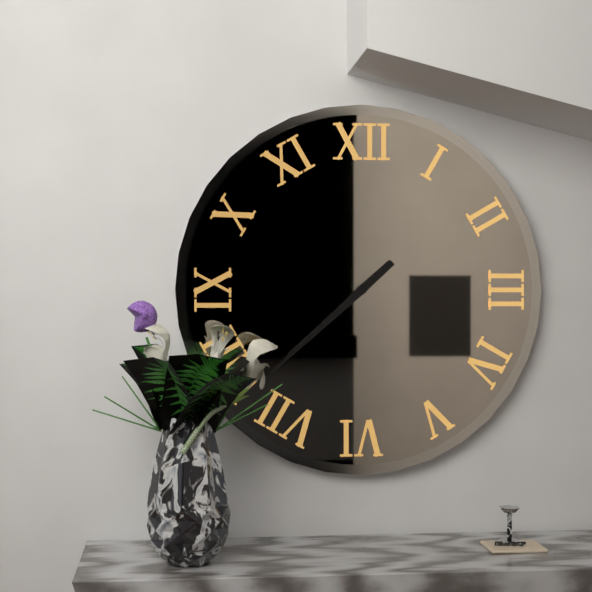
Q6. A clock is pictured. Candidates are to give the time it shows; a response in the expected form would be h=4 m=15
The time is h=7 m=38
